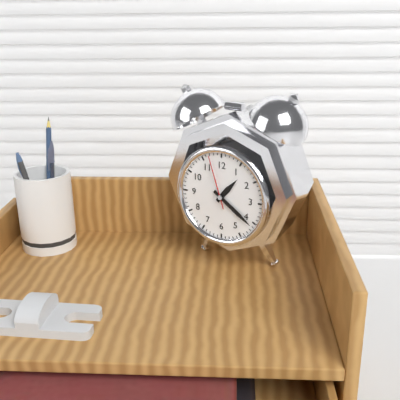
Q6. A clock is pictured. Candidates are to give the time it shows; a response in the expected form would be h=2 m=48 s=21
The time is h=1 m=21 s=57
